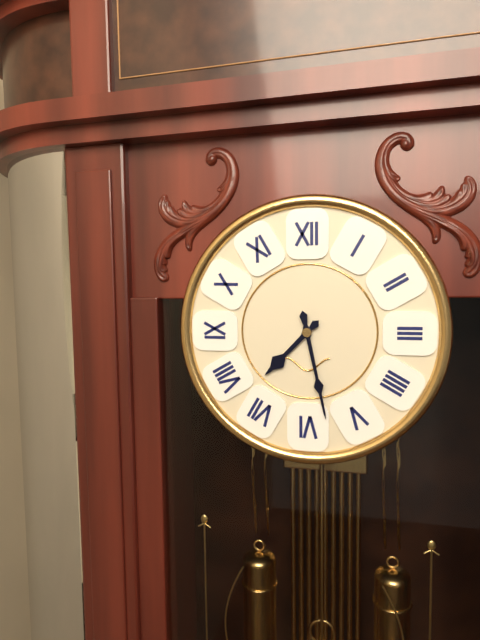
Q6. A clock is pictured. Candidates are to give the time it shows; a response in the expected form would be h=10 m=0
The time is h=7 m=28
